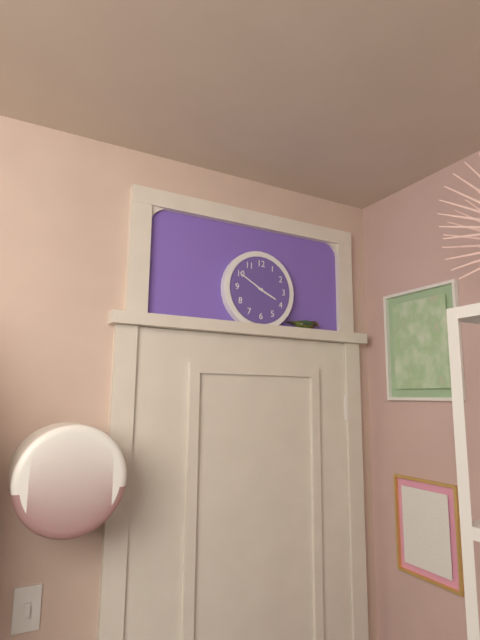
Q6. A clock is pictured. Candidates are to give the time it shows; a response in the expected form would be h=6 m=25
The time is h=3 m=50
